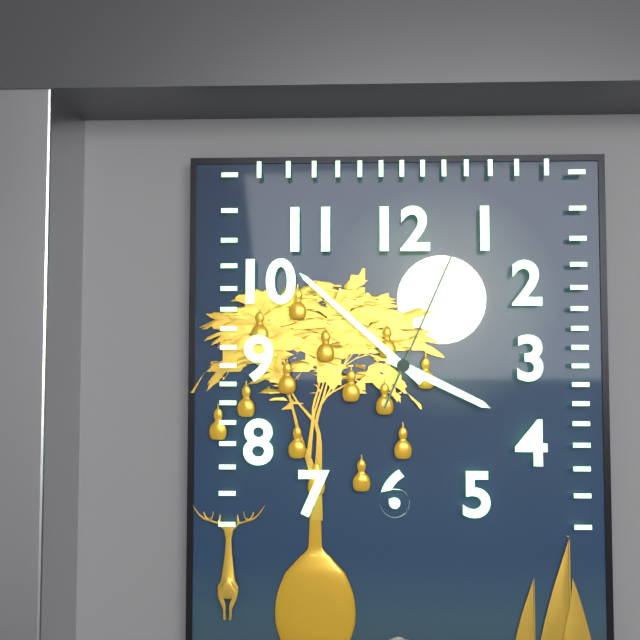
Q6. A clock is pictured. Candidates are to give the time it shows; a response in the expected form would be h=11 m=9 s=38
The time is h=3 m=52 s=4
